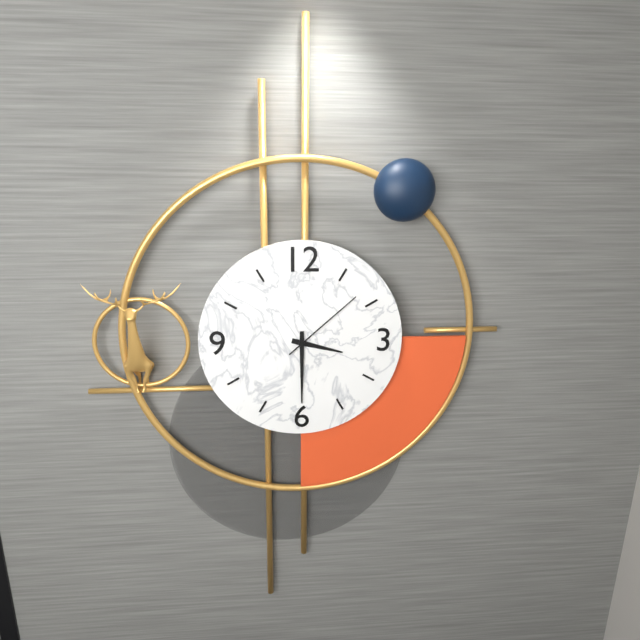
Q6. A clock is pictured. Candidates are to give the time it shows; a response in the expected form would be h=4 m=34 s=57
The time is h=3 m=30 s=8
